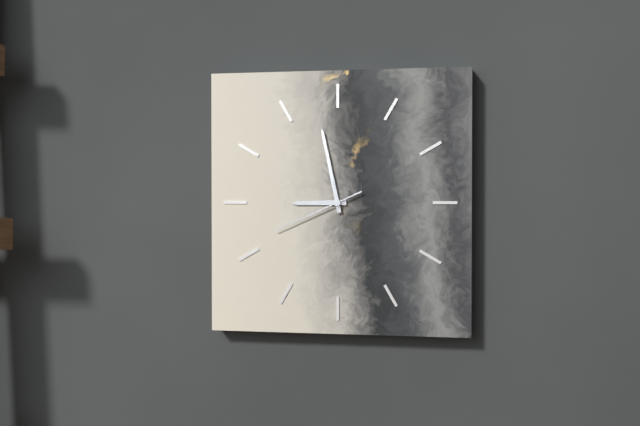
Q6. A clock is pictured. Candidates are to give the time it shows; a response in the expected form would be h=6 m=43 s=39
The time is h=8 m=58 s=41
